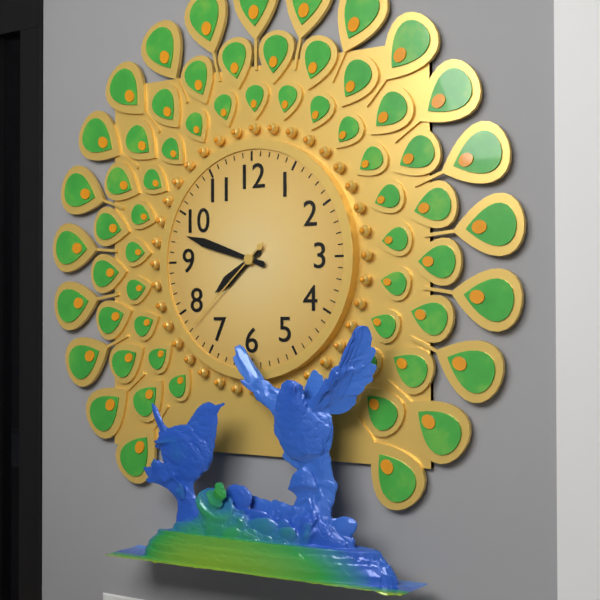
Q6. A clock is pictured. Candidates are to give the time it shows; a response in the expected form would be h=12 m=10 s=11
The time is h=7 m=48 s=38
